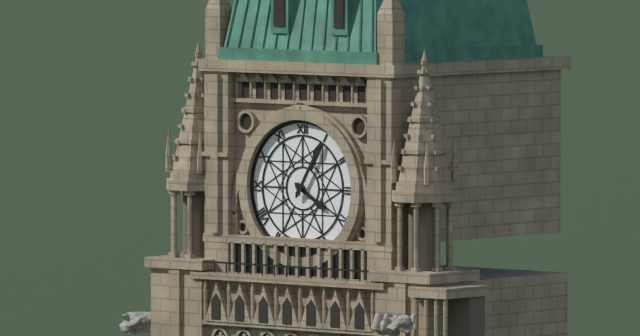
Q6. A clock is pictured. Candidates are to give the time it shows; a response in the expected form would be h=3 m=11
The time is h=4 m=5
